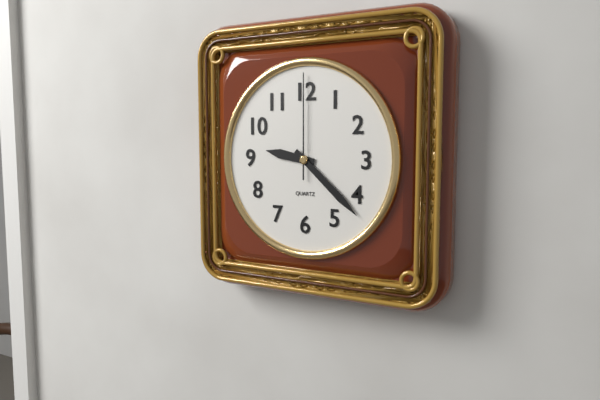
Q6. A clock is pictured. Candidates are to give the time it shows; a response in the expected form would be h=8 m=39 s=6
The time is h=9 m=22 s=0
